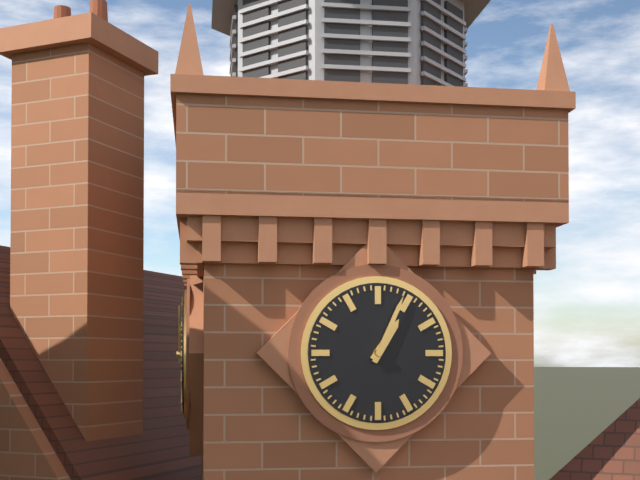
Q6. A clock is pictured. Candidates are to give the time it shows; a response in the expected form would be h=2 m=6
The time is h=1 m=4
